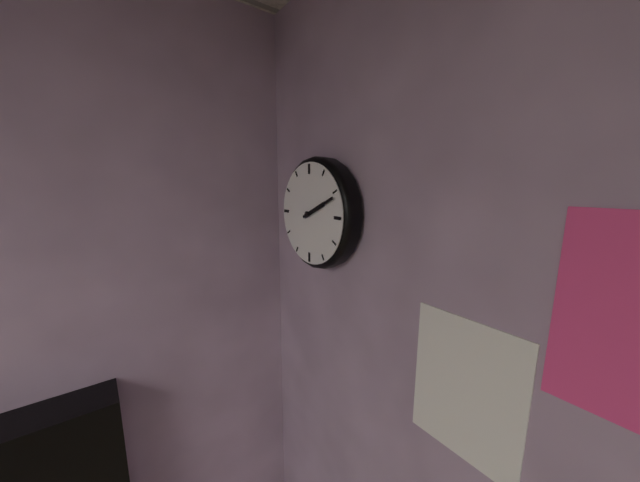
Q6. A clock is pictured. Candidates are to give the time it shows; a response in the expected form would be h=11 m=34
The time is h=2 m=11
